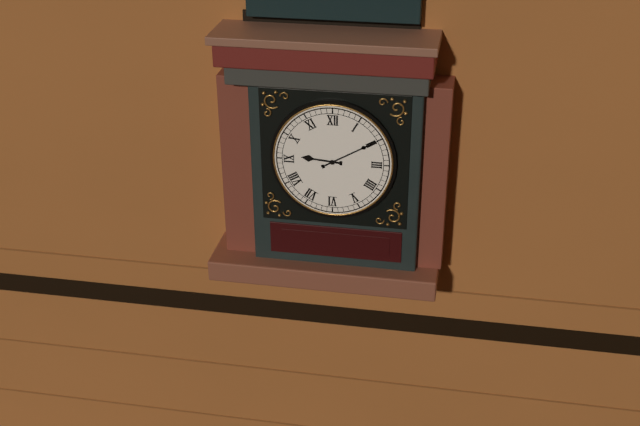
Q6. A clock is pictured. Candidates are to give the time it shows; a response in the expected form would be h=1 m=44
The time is h=9 m=10
